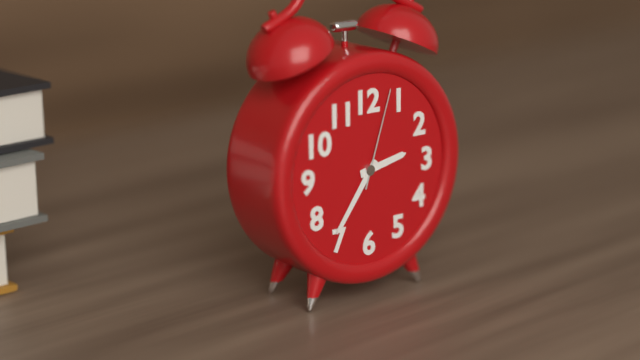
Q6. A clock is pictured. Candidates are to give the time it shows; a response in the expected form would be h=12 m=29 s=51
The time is h=2 m=36 s=3
